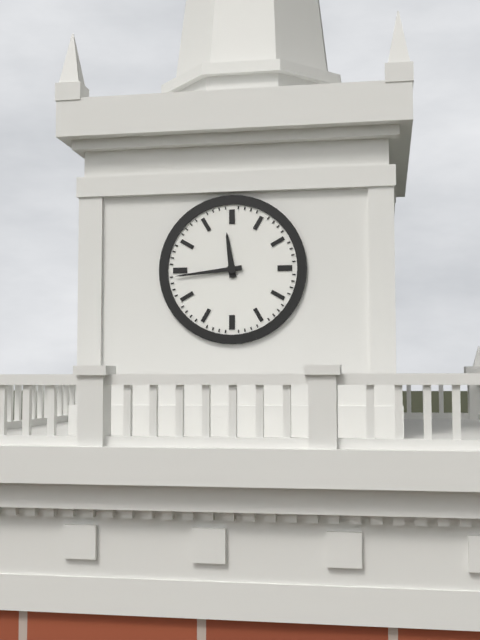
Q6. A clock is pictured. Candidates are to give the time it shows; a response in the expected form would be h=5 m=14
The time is h=11 m=44
